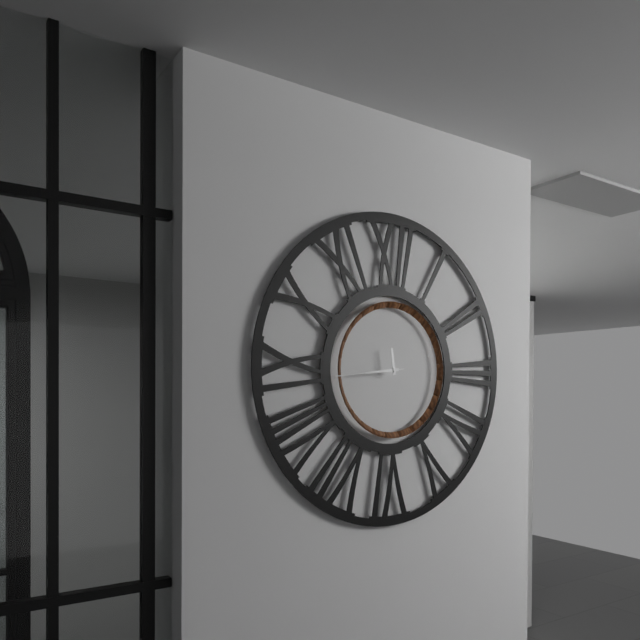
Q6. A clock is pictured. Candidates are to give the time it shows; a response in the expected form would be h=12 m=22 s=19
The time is h=11 m=44 s=44
